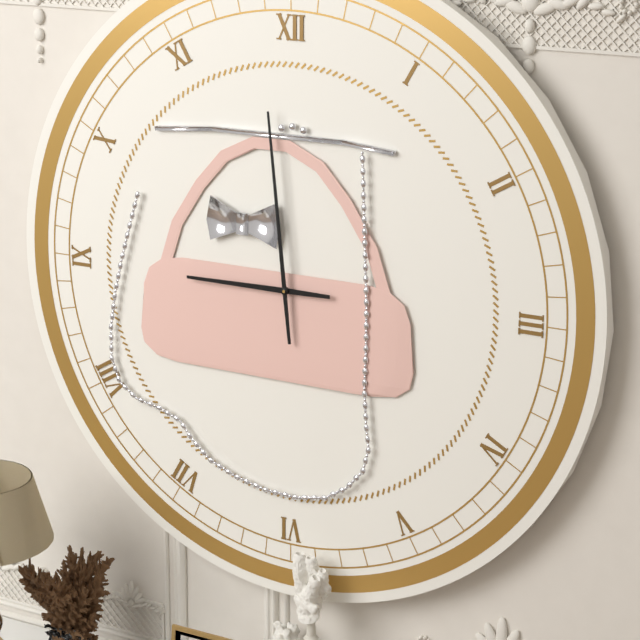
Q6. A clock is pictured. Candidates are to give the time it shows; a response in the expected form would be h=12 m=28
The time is h=8 m=59
